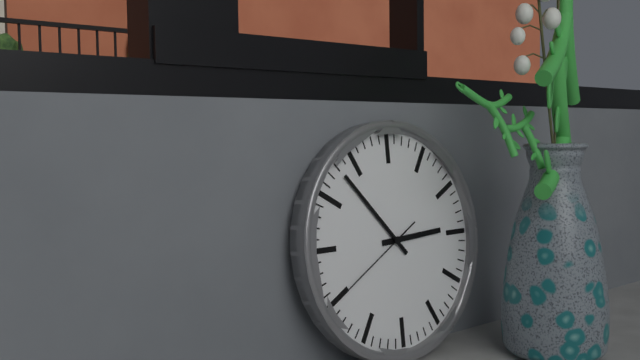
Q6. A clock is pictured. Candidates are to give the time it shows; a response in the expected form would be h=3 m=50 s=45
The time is h=2 m=53 s=40
